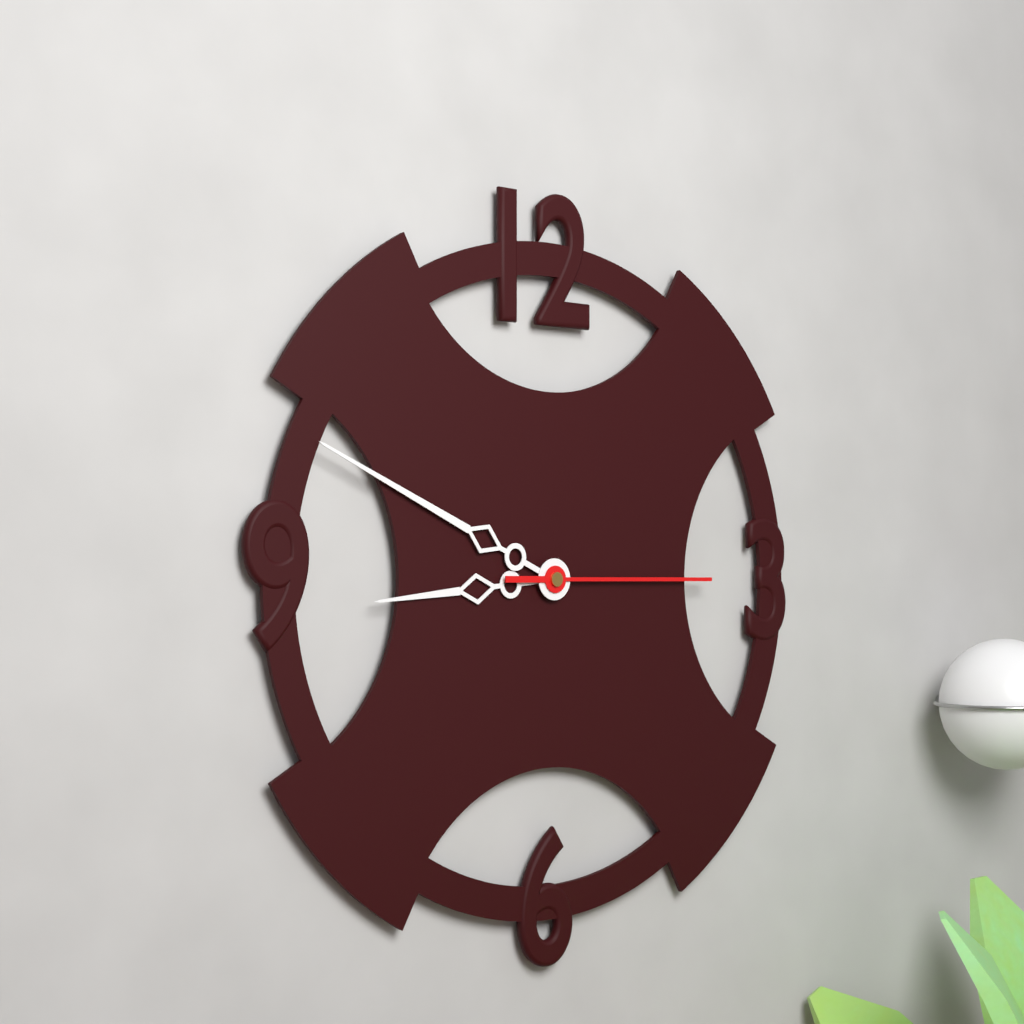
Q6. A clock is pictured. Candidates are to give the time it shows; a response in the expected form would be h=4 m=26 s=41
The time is h=8 m=49 s=15
